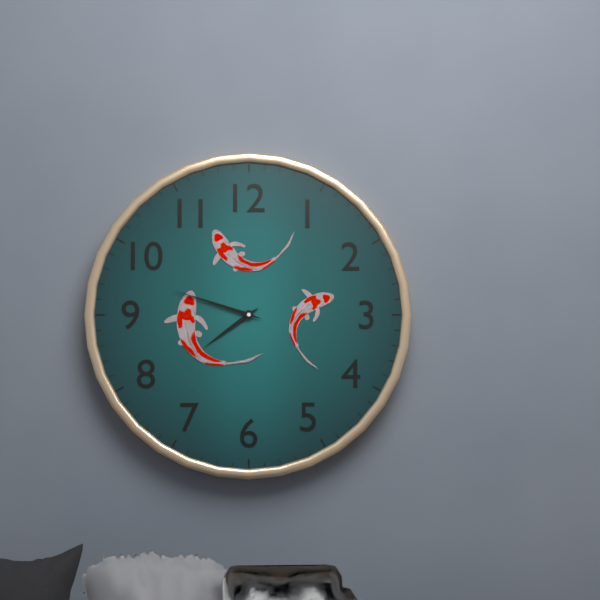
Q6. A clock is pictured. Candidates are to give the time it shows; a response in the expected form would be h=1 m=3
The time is h=7 m=48
